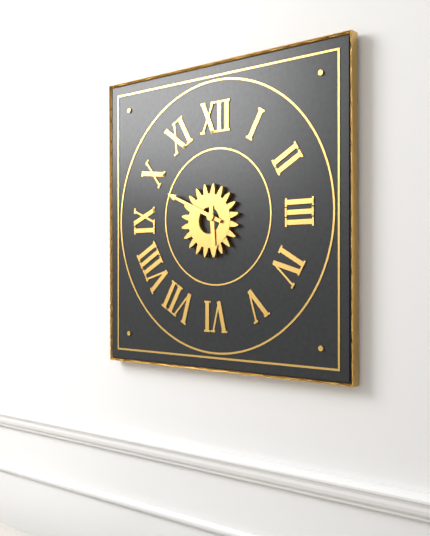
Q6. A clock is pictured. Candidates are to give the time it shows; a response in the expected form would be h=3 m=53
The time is h=5 m=49
